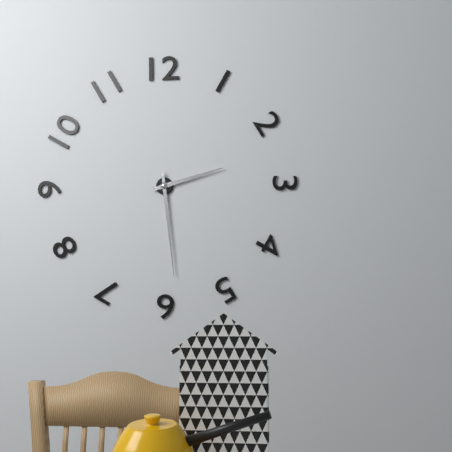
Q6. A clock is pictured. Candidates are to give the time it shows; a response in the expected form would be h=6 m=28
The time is h=2 m=29
